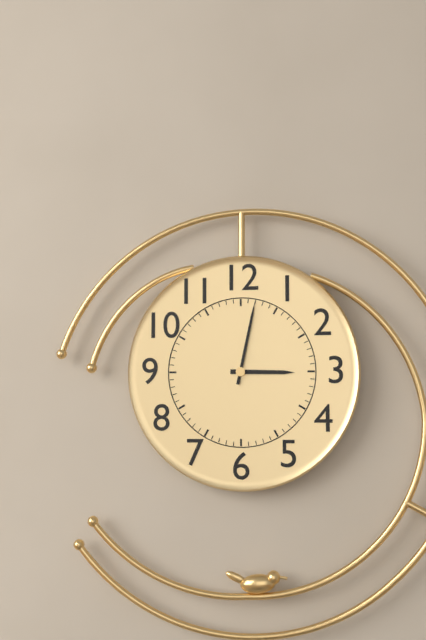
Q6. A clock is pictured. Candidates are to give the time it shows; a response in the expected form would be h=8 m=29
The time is h=3 m=2
